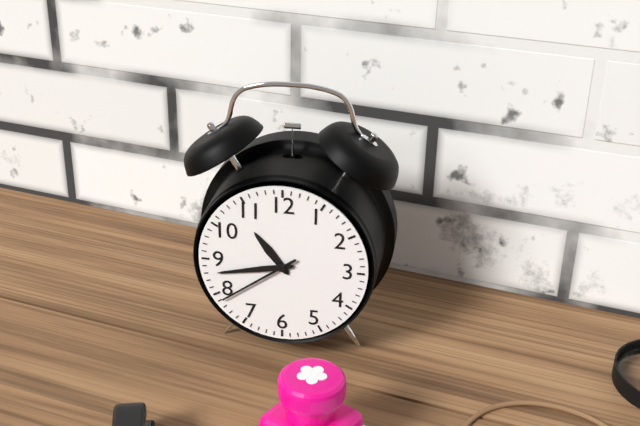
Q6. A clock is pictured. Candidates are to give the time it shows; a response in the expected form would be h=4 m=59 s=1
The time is h=10 m=43 s=39
